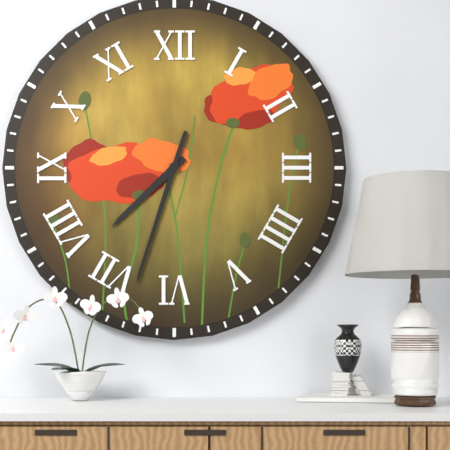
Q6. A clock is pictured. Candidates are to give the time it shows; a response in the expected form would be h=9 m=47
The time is h=7 m=33
